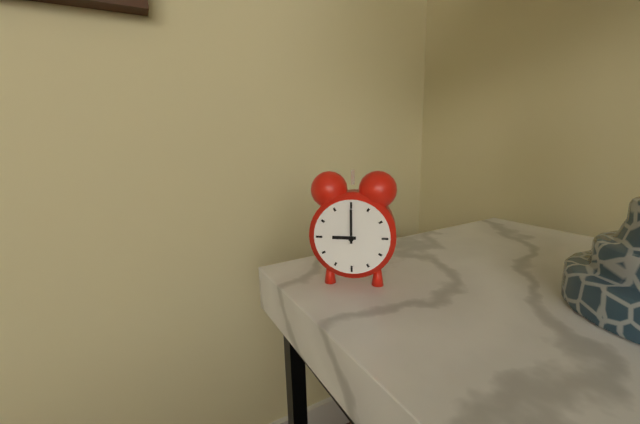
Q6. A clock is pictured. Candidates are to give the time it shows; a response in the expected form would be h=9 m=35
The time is h=9 m=0
